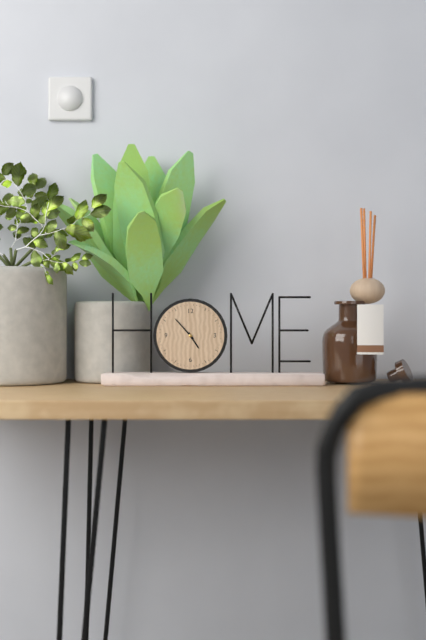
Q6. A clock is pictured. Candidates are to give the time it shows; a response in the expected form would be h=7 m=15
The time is h=4 m=53
